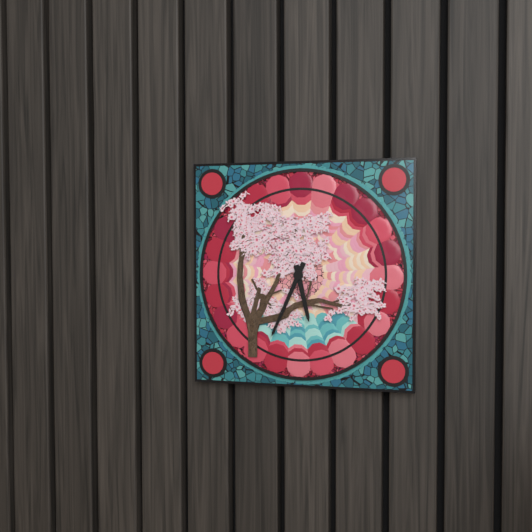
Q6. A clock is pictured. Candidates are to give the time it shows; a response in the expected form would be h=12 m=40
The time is h=5 m=34
